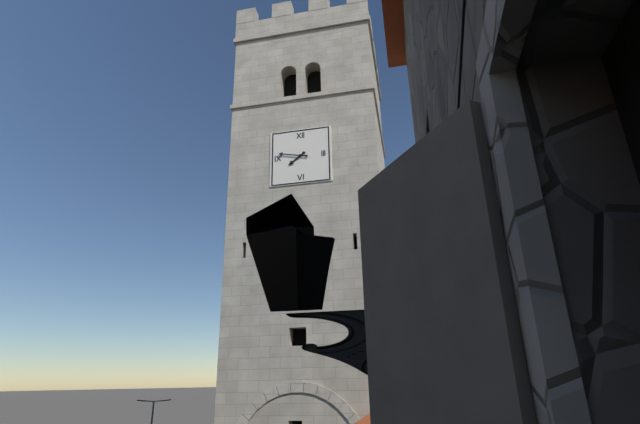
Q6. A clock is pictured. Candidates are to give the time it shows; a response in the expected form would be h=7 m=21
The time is h=7 m=47
